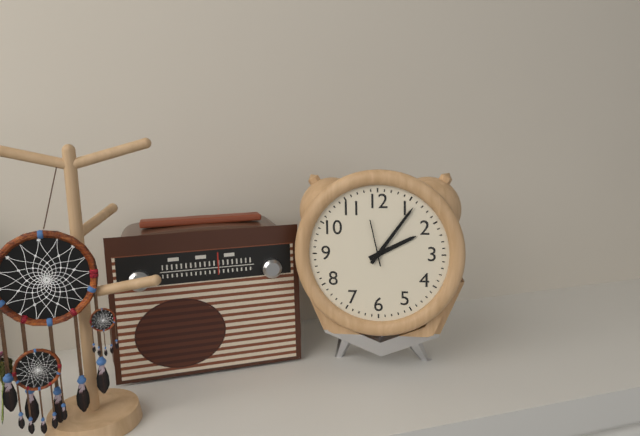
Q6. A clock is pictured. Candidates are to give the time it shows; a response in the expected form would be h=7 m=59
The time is h=2 m=6
